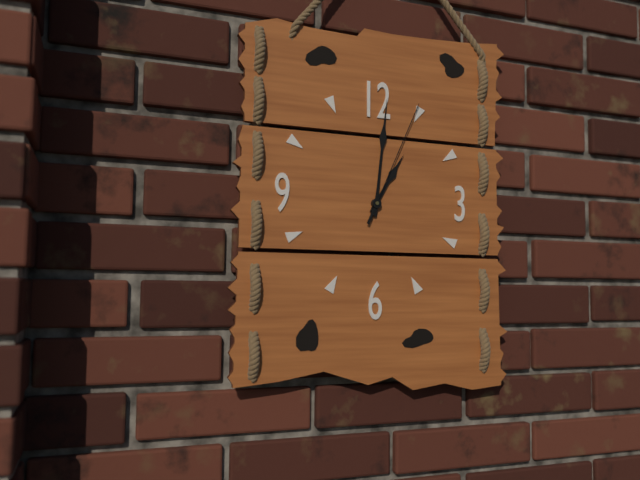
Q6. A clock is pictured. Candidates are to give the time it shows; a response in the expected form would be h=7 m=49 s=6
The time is h=1 m=1 s=4
